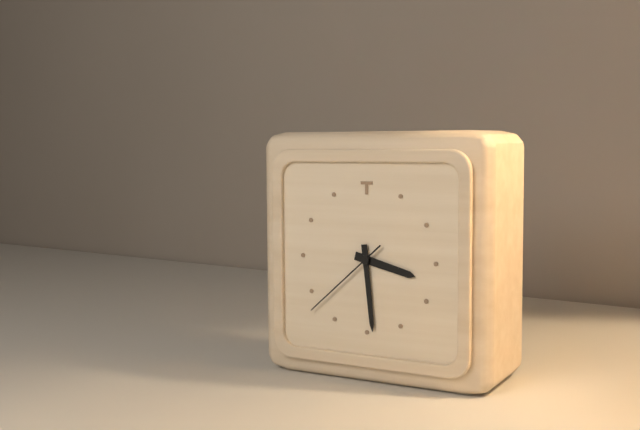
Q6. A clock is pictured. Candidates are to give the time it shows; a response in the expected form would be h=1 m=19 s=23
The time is h=3 m=29 s=38
